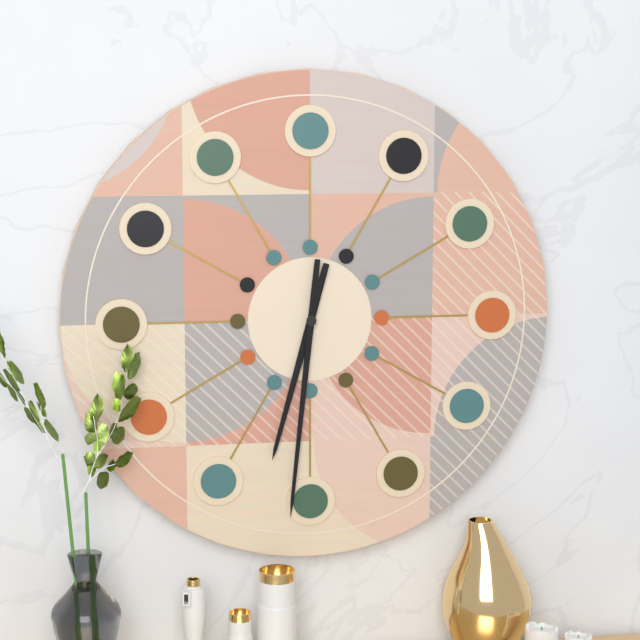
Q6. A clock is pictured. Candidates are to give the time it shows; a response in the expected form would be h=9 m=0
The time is h=6 m=31
